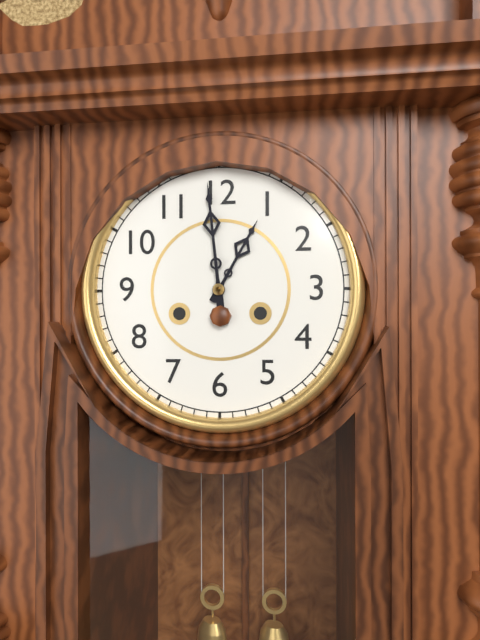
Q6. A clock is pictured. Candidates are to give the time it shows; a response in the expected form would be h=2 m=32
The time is h=12 m=59
